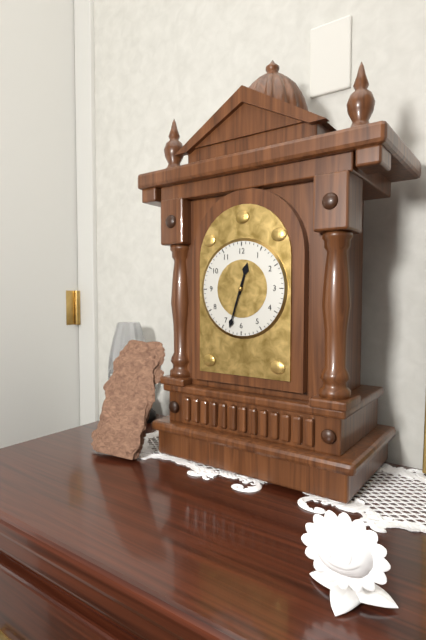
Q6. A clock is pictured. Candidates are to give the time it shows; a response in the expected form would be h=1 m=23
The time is h=12 m=33
